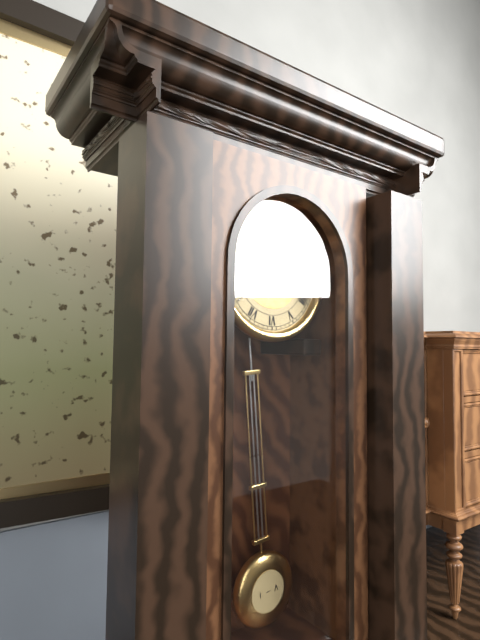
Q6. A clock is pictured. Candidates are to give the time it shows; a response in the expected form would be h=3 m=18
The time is h=2 m=52
